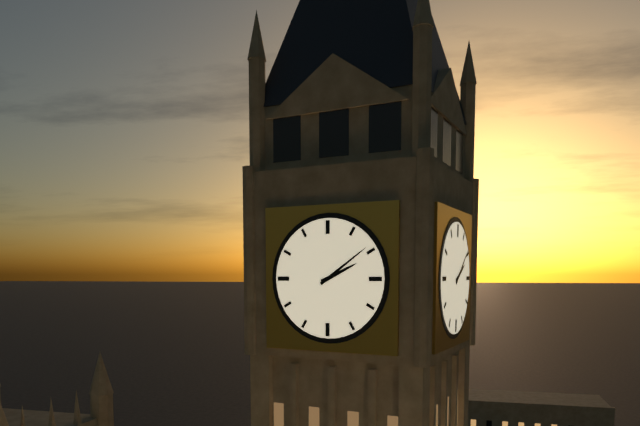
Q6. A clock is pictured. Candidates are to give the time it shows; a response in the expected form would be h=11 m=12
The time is h=2 m=9
